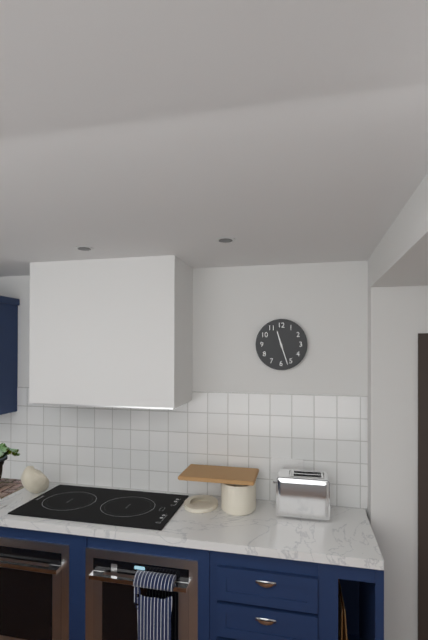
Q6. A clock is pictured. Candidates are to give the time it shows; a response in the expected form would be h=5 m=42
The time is h=11 m=27
